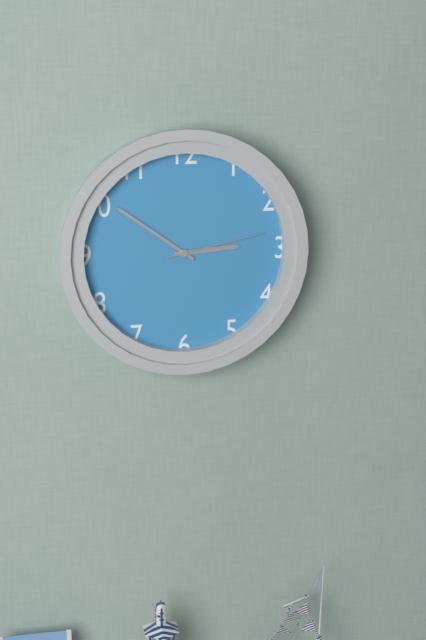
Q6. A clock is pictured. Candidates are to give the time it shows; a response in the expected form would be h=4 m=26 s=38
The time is h=2 m=51 s=13
